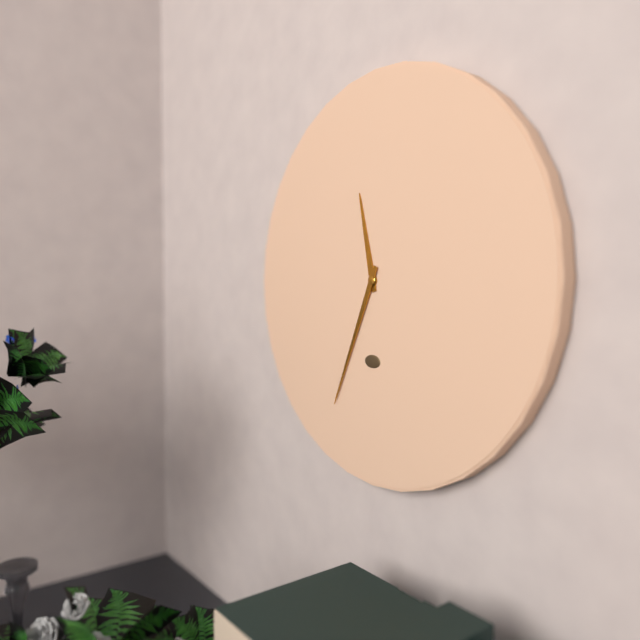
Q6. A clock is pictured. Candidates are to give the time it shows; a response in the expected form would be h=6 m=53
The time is h=11 m=34
